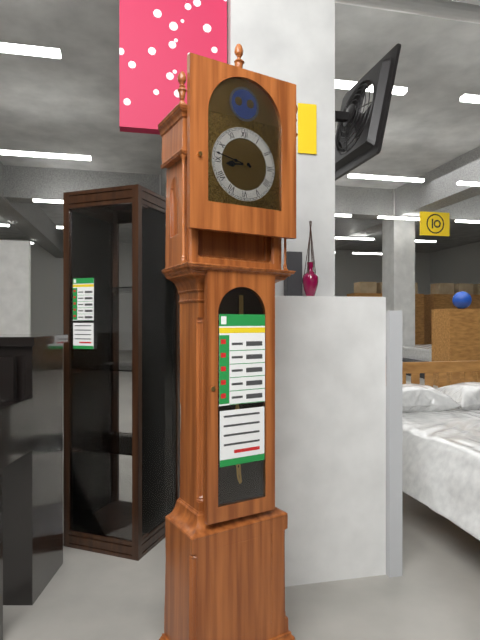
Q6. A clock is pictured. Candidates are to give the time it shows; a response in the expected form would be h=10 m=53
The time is h=8 m=47
